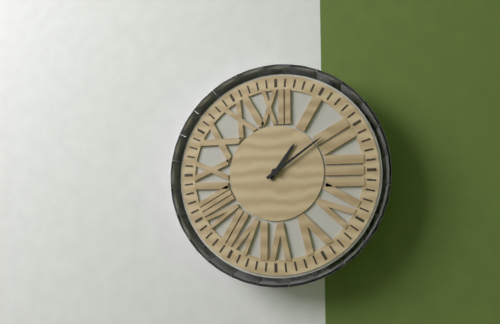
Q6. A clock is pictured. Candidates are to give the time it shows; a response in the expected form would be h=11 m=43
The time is h=1 m=9
